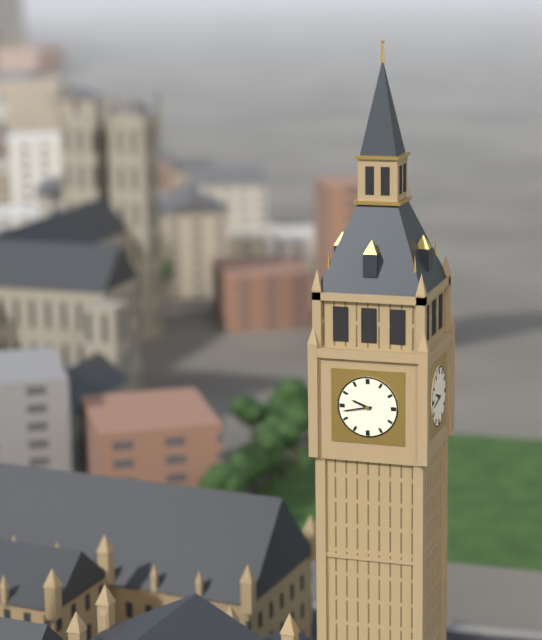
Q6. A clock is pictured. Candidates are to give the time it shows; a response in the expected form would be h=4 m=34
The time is h=9 m=43
